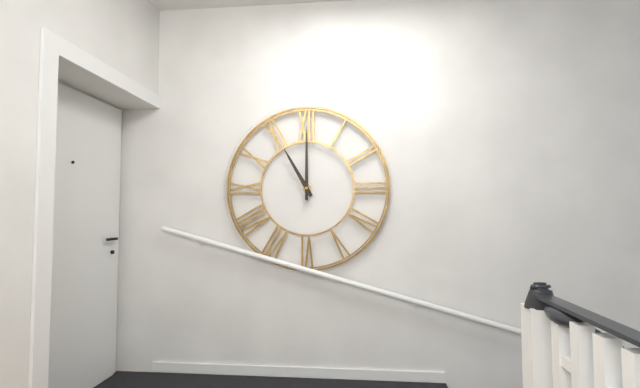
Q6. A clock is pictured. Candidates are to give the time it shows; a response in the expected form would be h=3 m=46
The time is h=11 m=0
